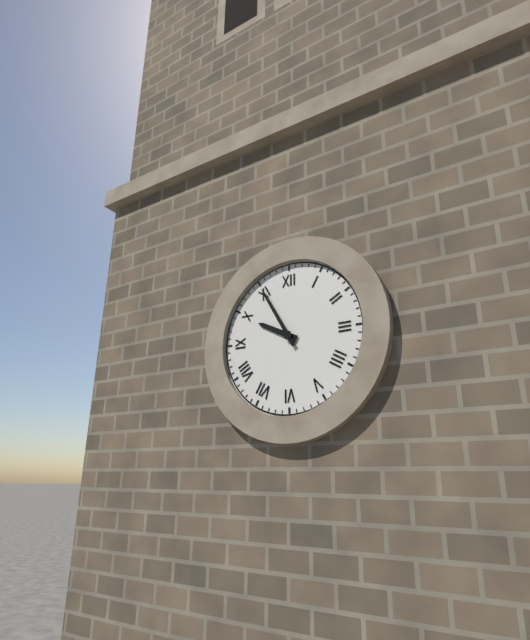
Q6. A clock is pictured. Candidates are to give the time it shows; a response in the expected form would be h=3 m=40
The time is h=9 m=55
